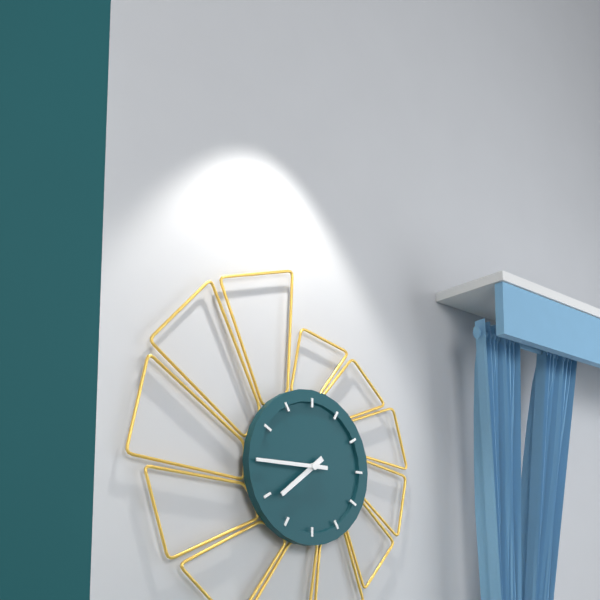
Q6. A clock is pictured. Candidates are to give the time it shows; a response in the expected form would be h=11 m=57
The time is h=7 m=45
